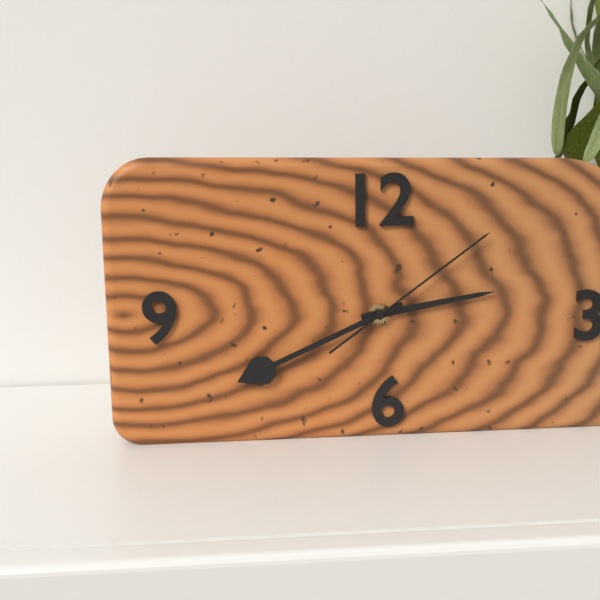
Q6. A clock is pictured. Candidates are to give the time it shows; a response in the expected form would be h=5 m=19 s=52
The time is h=2 m=41 s=9
